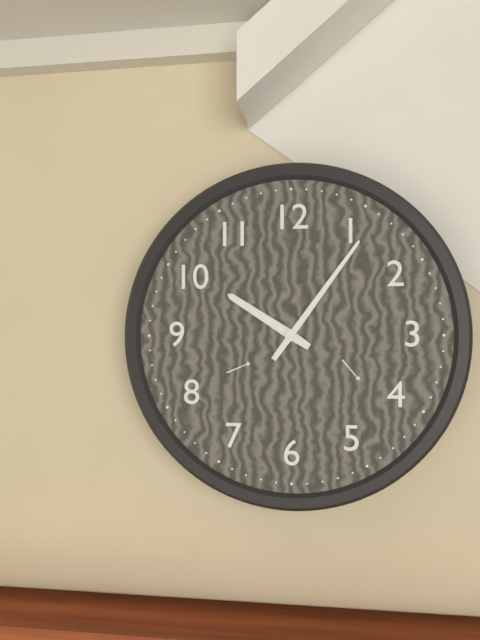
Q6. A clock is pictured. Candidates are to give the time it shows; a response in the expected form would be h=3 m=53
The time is h=10 m=6
